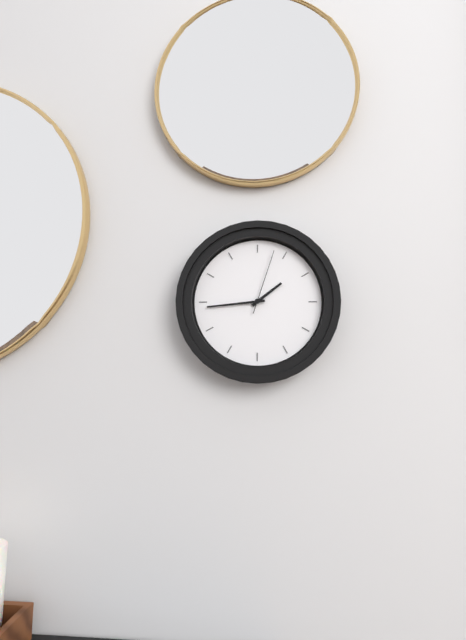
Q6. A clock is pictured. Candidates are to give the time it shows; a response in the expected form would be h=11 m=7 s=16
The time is h=1 m=44 s=3
